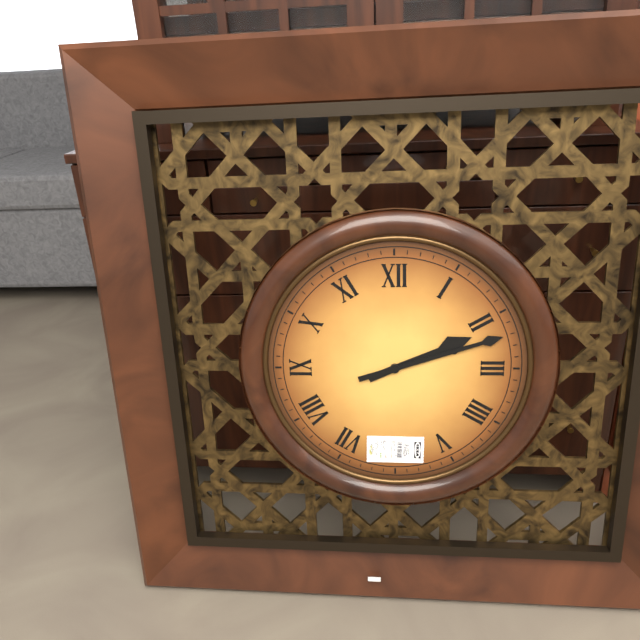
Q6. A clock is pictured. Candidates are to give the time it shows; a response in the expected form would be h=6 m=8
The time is h=2 m=12
